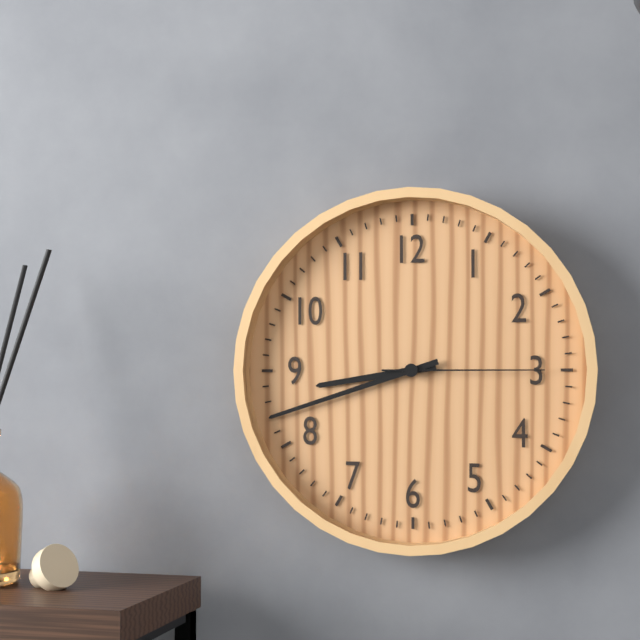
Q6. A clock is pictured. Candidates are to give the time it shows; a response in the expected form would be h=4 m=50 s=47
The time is h=8 m=42 s=15
